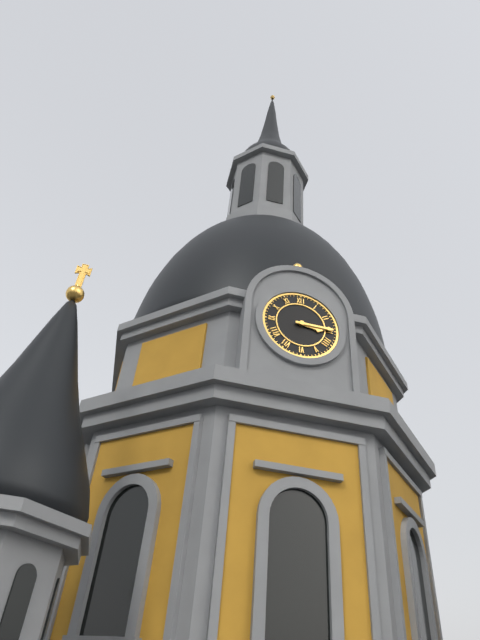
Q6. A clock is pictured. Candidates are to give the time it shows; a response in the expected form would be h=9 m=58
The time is h=3 m=15
